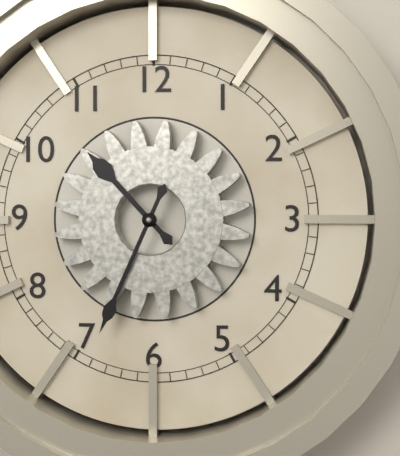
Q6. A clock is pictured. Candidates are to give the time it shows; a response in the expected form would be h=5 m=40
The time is h=10 m=34
